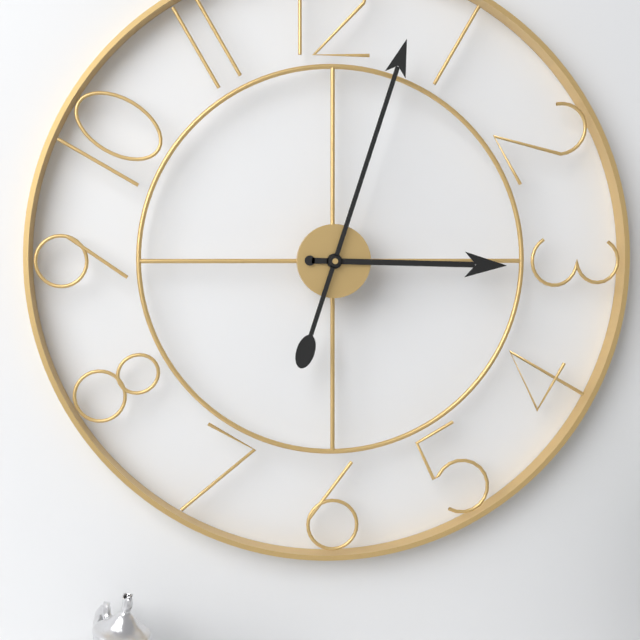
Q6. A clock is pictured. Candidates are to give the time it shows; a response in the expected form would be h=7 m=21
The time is h=3 m=3
